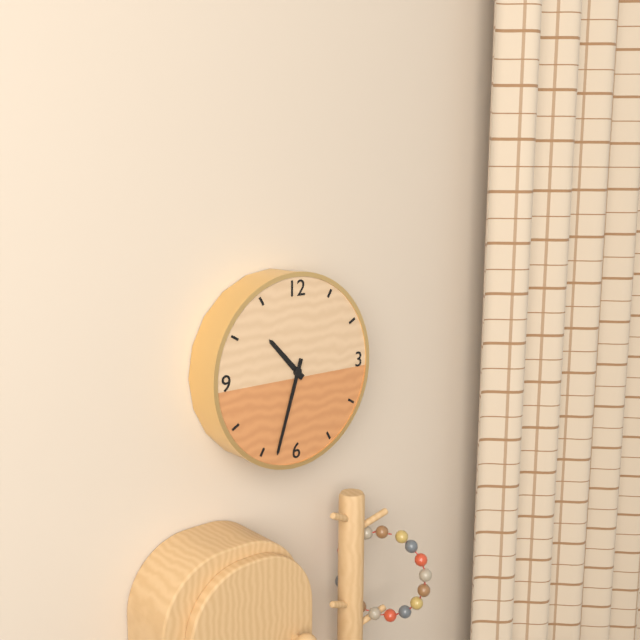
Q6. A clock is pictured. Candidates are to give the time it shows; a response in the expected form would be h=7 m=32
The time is h=10 m=33
